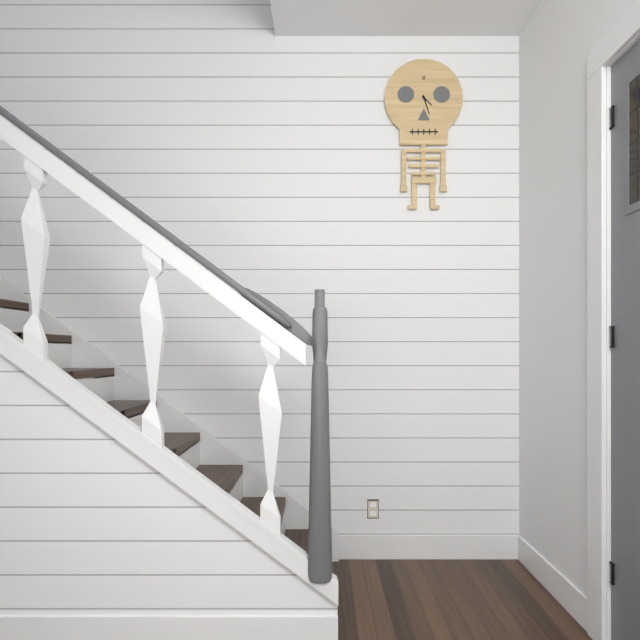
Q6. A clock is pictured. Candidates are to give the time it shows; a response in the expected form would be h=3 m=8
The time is h=4 m=27
